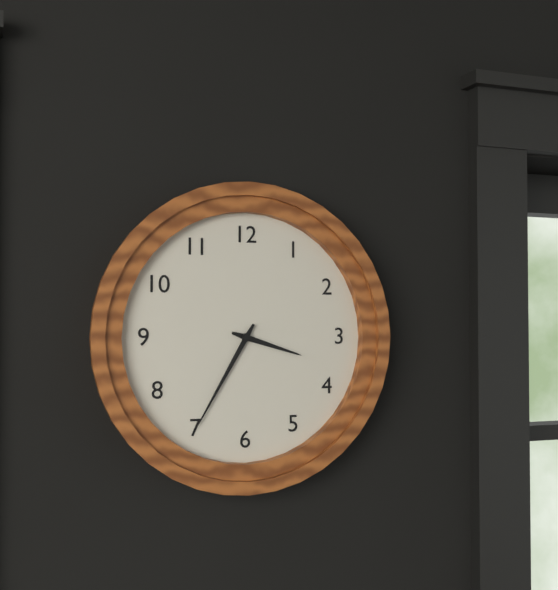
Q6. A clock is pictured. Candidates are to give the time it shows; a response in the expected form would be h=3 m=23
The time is h=3 m=35
